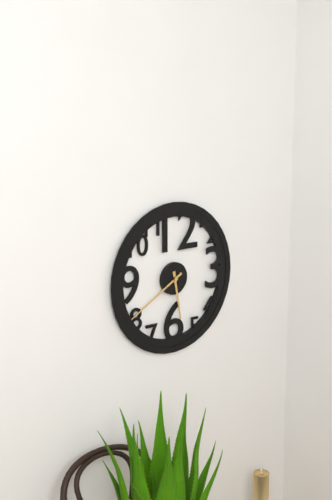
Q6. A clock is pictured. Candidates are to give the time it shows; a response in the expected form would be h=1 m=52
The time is h=5 m=40
